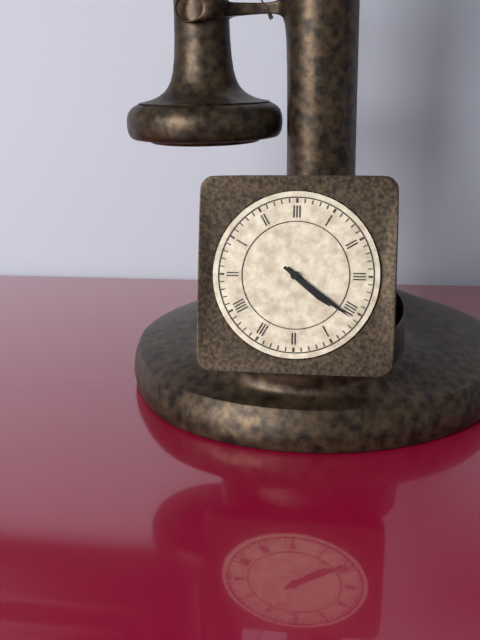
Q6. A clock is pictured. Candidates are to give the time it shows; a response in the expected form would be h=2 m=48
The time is h=4 m=21
